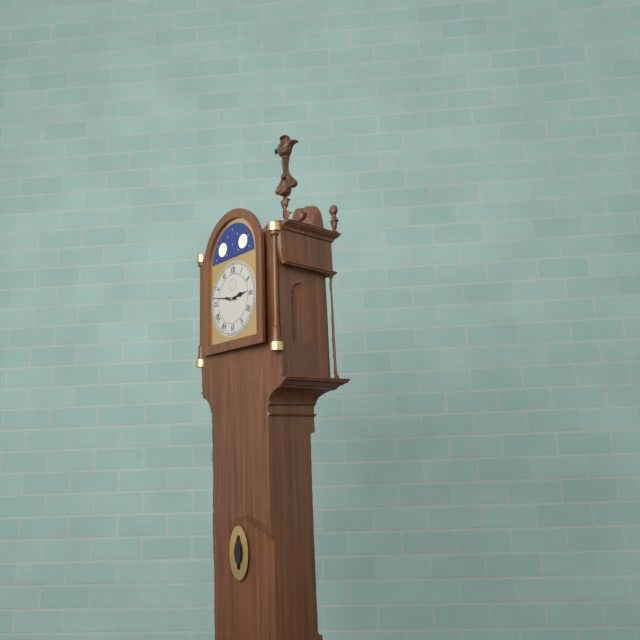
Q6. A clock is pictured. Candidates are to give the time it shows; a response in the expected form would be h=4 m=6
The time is h=2 m=47
